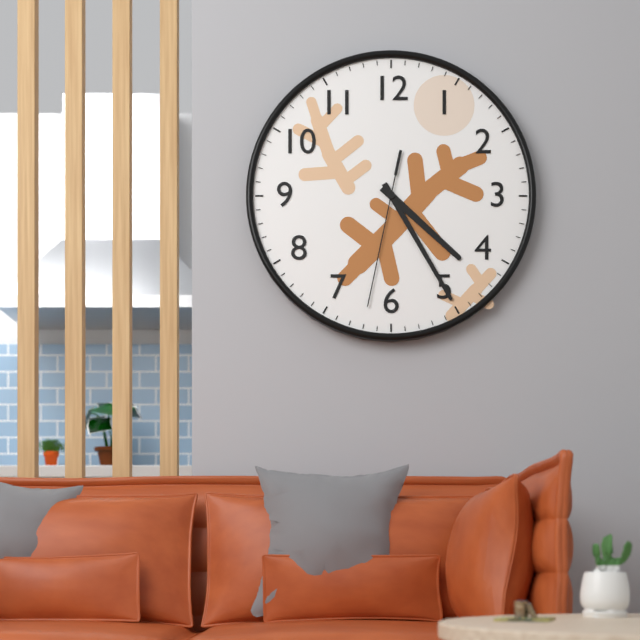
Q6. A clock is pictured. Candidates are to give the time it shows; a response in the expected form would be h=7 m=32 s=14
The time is h=4 m=25 s=32
